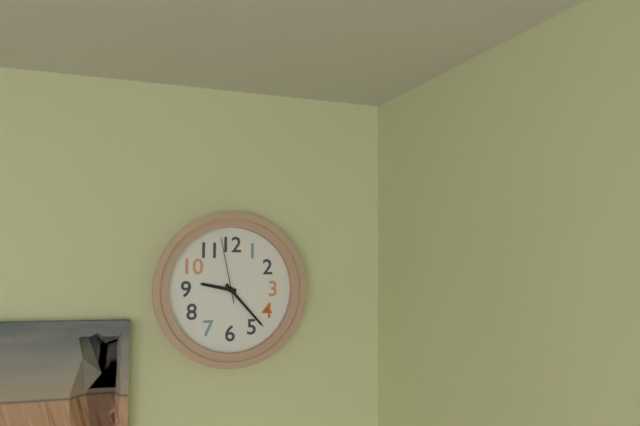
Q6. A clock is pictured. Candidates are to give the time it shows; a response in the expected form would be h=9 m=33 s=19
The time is h=9 m=23 s=58
